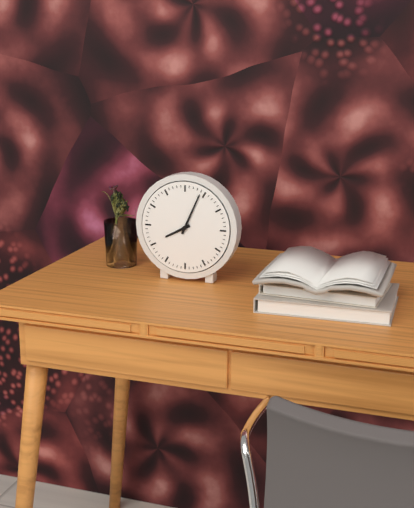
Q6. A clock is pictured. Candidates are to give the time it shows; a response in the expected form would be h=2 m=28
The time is h=8 m=4
